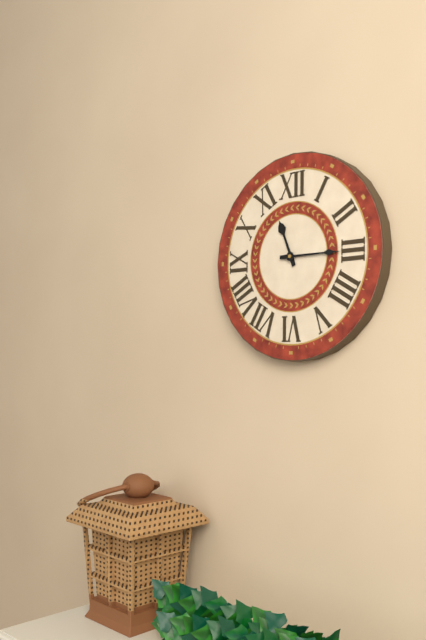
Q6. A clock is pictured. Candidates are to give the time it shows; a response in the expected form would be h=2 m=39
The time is h=11 m=15
